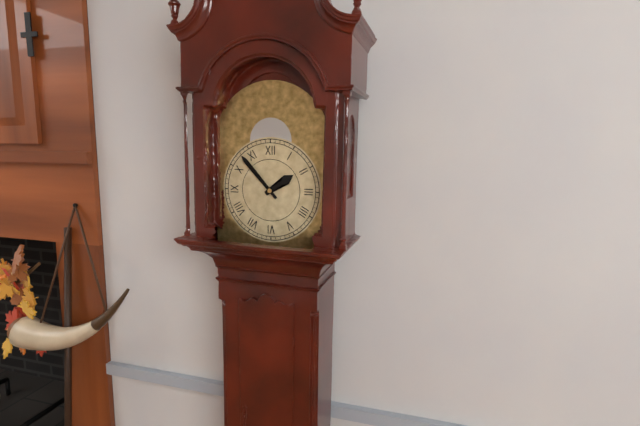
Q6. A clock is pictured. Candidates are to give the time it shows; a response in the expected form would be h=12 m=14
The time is h=1 m=53
